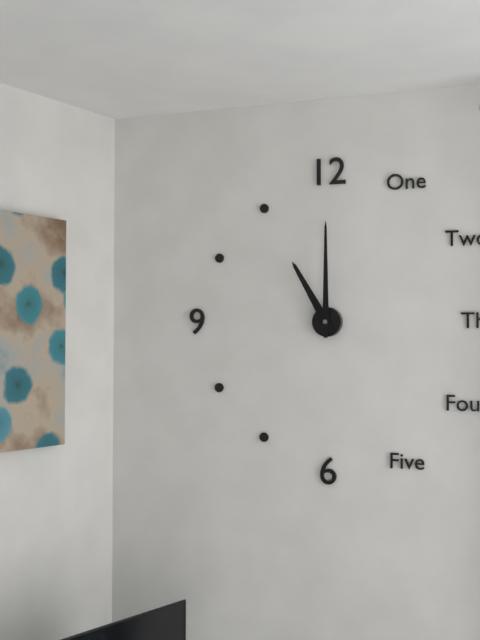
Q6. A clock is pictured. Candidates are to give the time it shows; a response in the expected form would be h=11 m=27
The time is h=11 m=0
